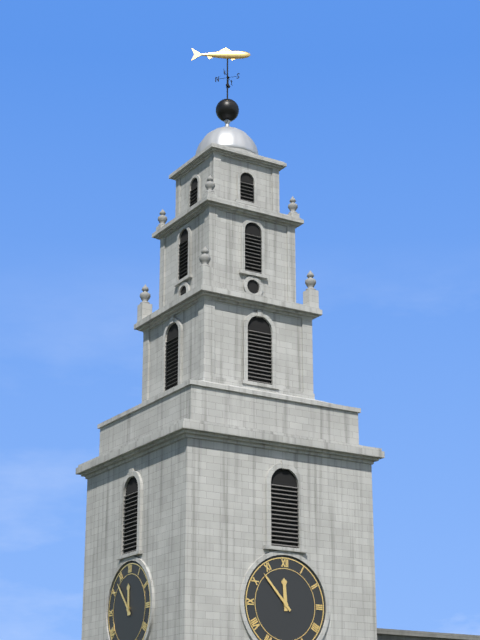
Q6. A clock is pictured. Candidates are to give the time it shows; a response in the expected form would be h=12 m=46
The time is h=11 m=53
